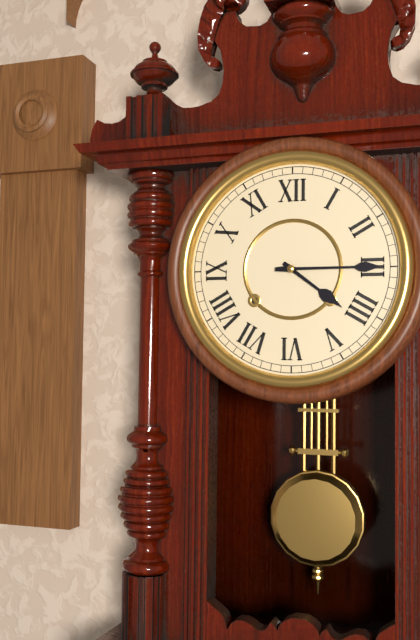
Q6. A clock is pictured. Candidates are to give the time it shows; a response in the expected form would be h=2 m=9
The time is h=4 m=15
